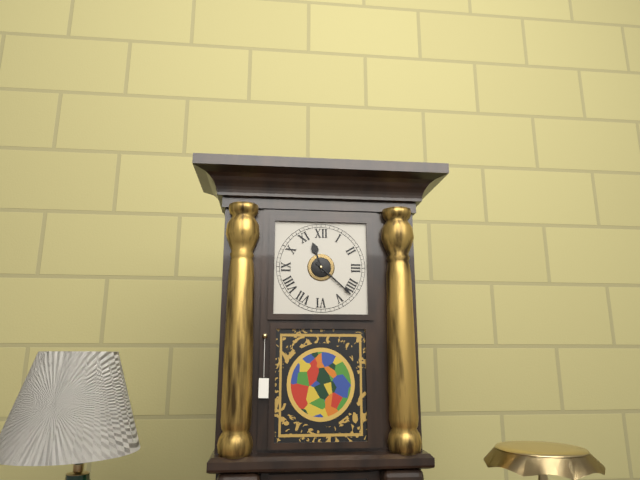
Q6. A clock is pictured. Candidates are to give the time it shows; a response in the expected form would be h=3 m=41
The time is h=11 m=22
